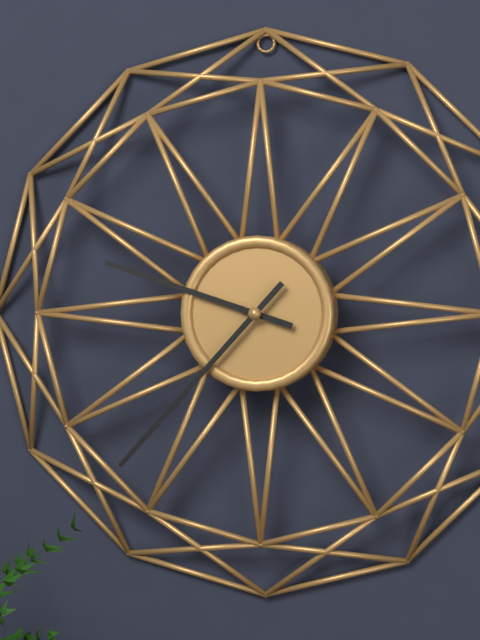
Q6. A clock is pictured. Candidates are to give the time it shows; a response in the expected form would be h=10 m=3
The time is h=9 m=37
